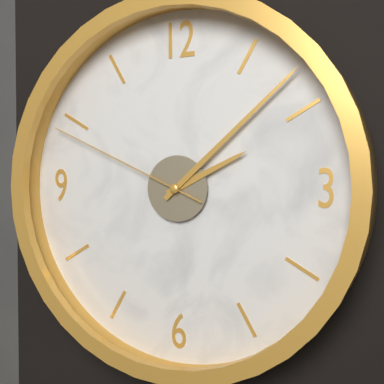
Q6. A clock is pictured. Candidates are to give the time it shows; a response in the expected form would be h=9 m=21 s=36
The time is h=2 m=8 s=49
